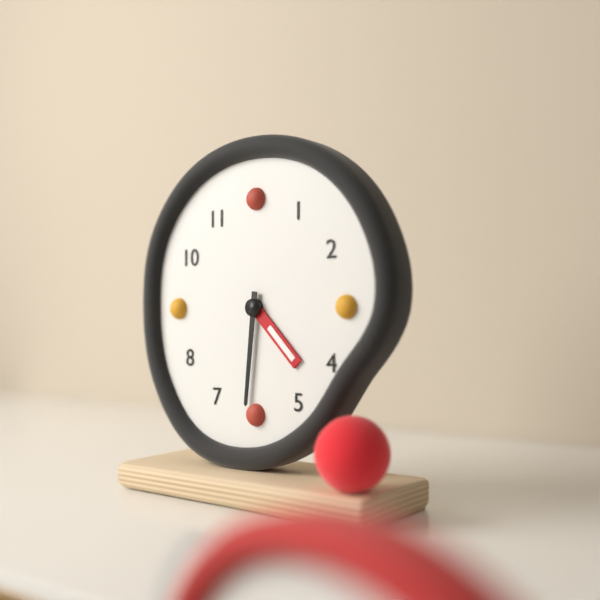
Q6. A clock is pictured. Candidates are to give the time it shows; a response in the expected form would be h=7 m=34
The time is h=4 m=31
